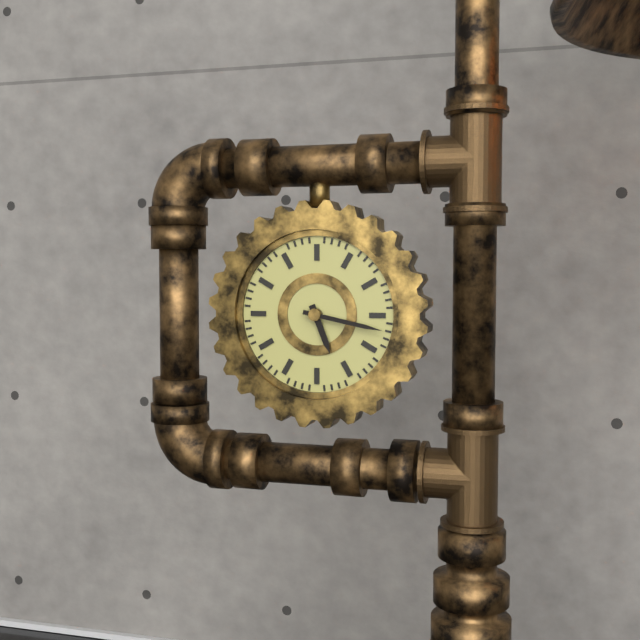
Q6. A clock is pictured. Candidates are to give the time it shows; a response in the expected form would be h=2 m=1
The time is h=5 m=17
